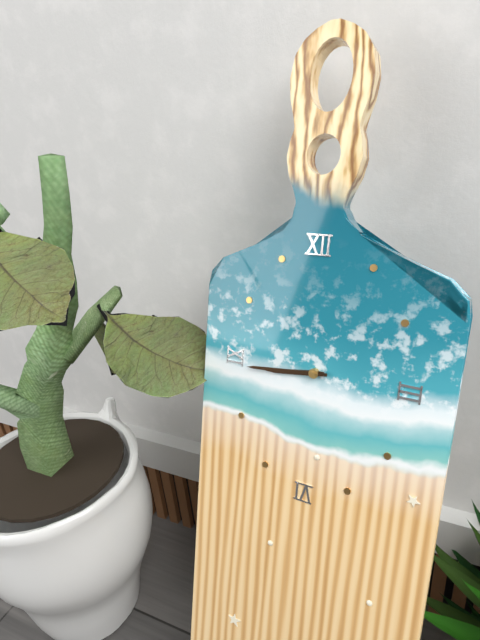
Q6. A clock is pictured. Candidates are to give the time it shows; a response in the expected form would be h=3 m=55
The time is h=8 m=44
